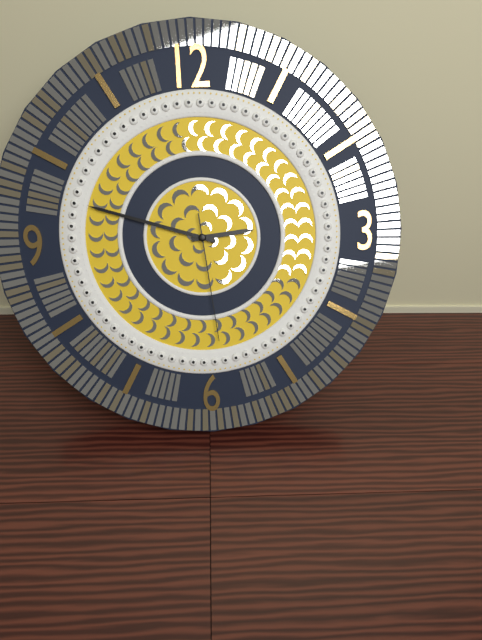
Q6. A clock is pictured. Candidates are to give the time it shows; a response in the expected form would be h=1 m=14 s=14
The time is h=2 m=48 s=29
